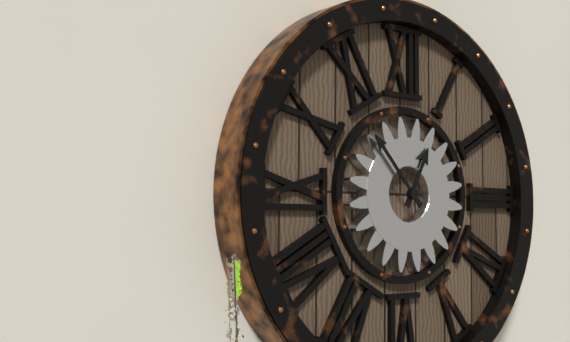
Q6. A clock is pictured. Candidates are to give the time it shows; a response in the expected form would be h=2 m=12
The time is h=12 m=53
